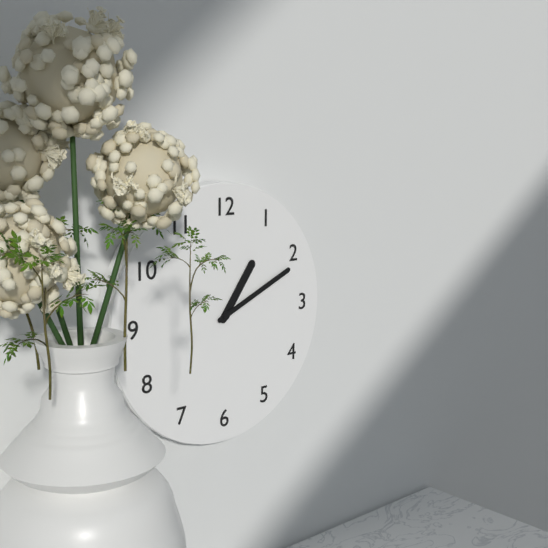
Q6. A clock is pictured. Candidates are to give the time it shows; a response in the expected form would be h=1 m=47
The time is h=1 m=11
